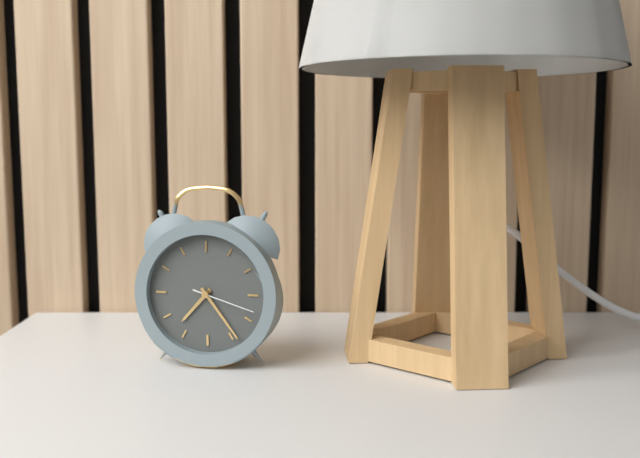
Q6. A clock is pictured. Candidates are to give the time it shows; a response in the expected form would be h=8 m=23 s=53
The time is h=7 m=24 s=18
